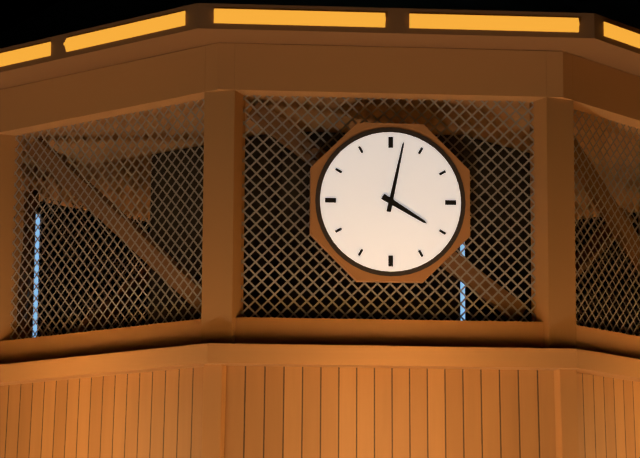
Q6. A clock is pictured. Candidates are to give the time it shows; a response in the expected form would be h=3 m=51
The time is h=4 m=2
